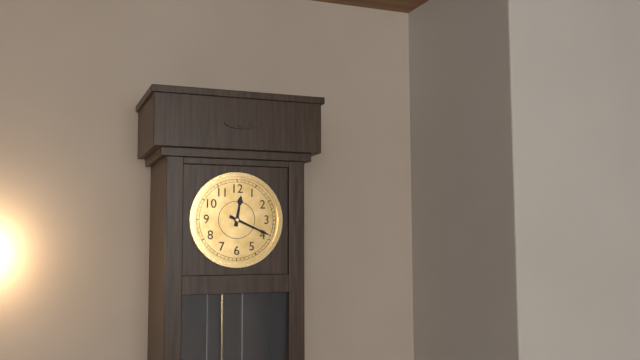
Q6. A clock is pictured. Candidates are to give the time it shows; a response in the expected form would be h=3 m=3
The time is h=12 m=19
